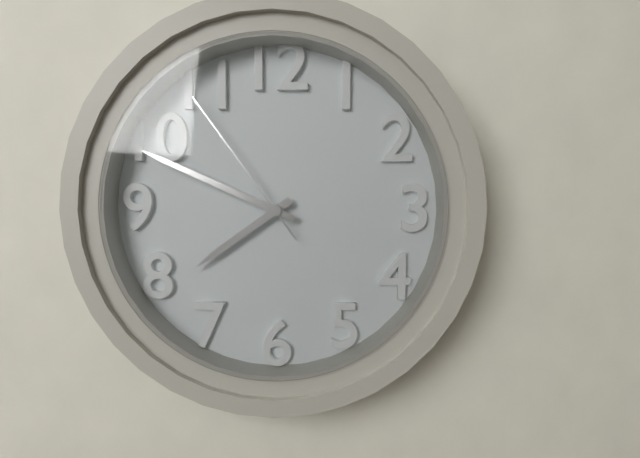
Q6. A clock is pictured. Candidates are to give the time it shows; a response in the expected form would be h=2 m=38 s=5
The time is h=7 m=49 s=54
